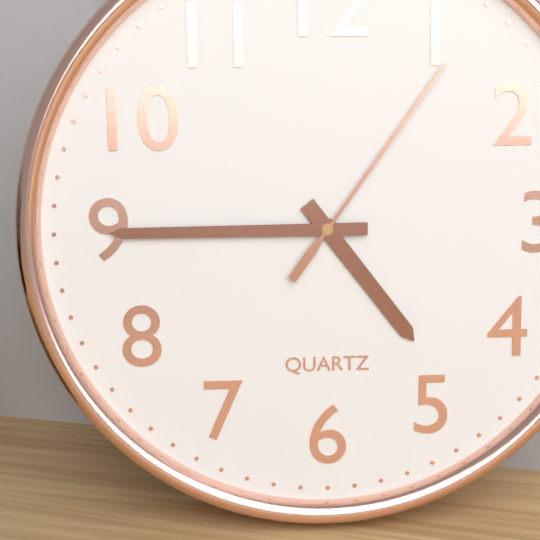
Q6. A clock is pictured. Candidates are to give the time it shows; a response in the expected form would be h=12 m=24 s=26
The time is h=4 m=45 s=6
